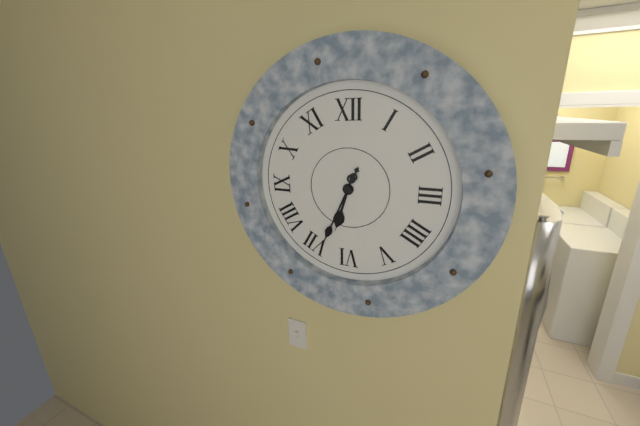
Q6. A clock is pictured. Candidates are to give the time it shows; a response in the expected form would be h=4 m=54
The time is h=6 m=34
